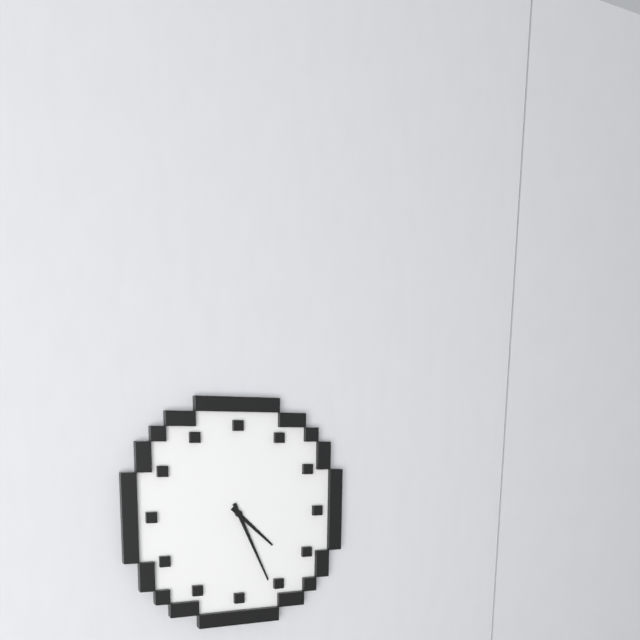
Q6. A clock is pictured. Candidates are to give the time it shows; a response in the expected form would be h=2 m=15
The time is h=4 m=26
